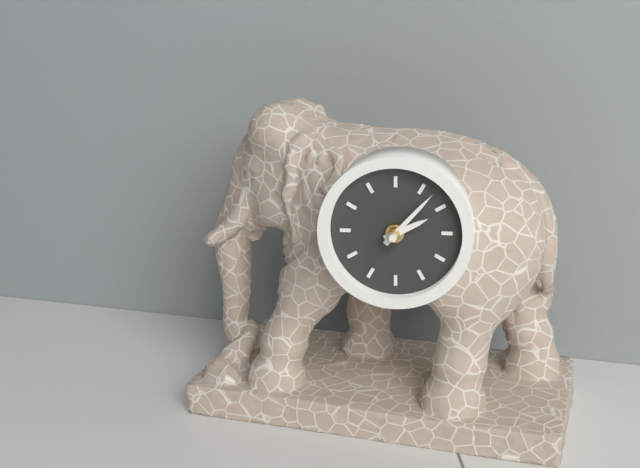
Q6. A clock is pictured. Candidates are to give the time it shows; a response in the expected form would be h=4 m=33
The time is h=2 m=7
